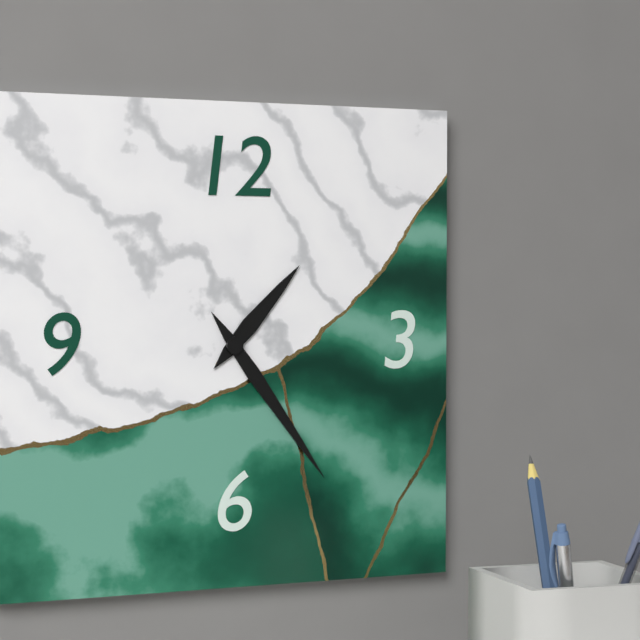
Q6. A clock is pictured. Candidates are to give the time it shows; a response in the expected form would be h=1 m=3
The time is h=1 m=24
